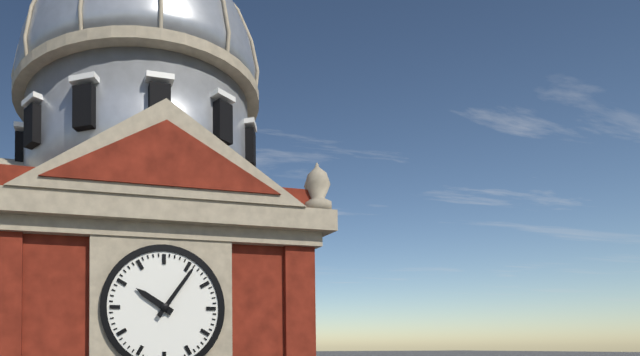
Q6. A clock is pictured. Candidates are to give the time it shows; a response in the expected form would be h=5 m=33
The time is h=10 m=6
